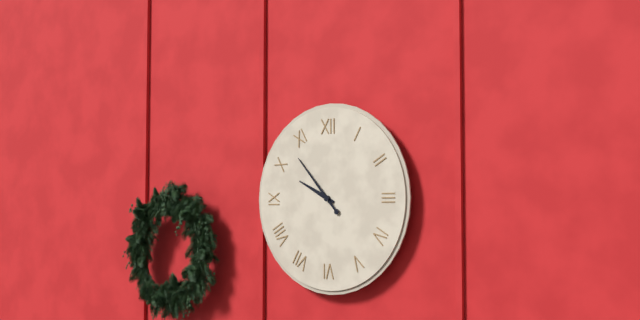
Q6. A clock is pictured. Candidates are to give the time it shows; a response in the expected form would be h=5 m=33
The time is h=9 m=53
